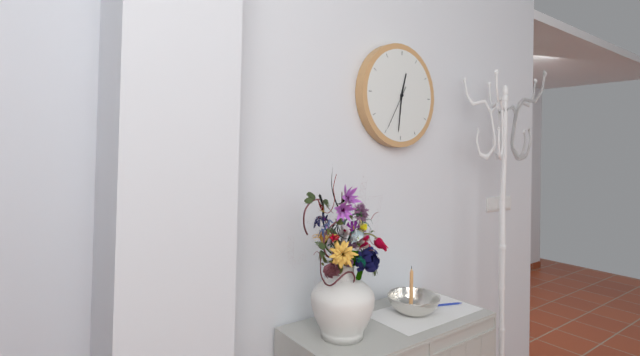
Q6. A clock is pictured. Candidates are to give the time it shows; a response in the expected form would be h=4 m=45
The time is h=12 m=31
